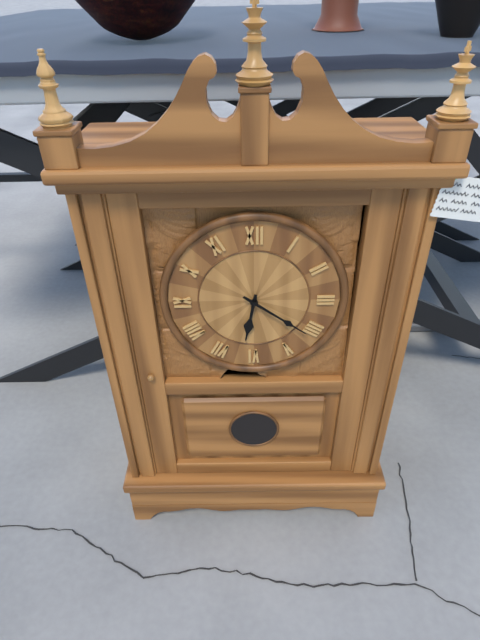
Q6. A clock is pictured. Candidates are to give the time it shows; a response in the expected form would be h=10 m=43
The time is h=6 m=21
